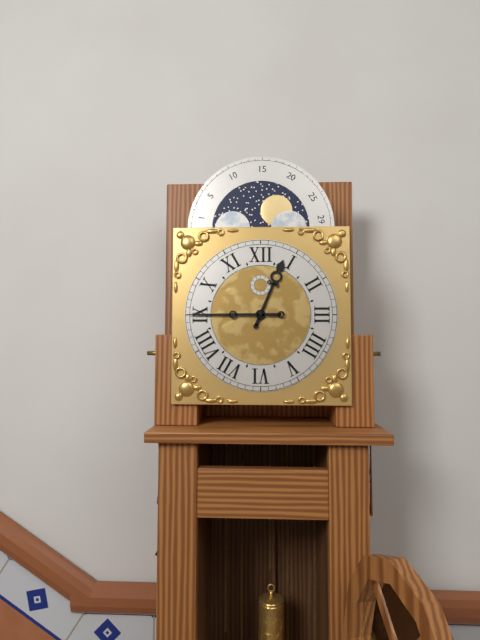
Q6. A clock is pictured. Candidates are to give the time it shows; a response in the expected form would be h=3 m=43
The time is h=12 m=45
